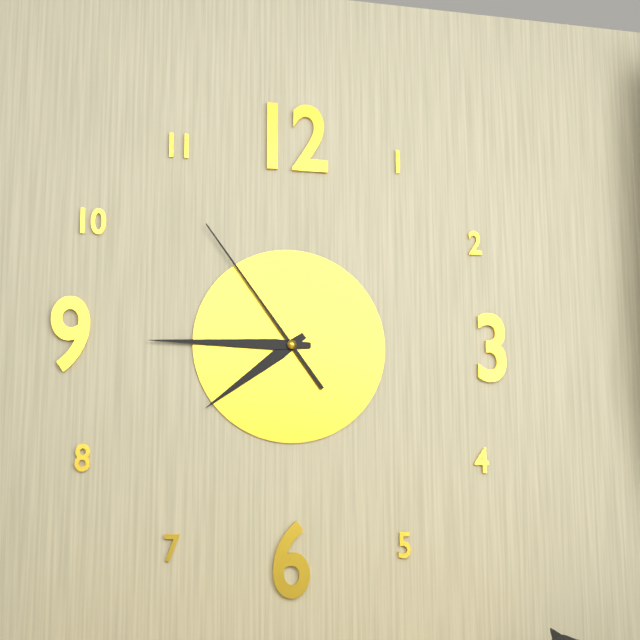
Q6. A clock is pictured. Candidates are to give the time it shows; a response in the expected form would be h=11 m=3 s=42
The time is h=7 m=45 s=54
